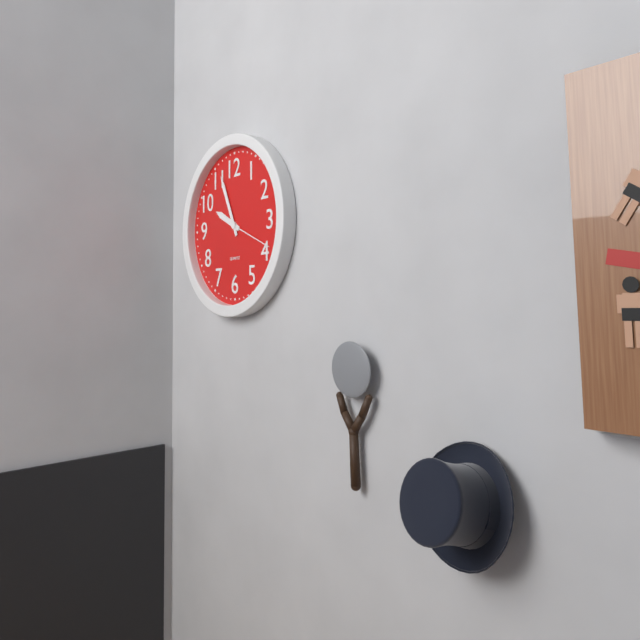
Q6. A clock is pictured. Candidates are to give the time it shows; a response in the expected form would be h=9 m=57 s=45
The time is h=9 m=56 s=19
